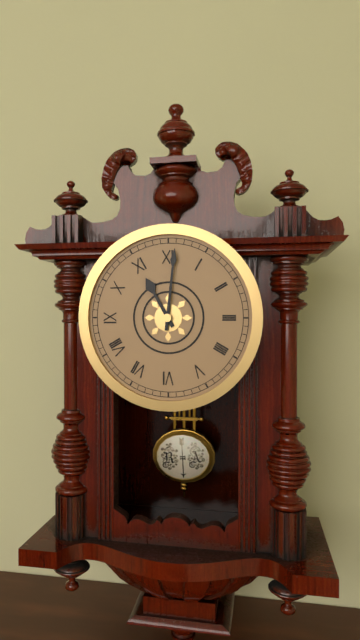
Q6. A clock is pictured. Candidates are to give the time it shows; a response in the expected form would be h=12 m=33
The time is h=11 m=1
